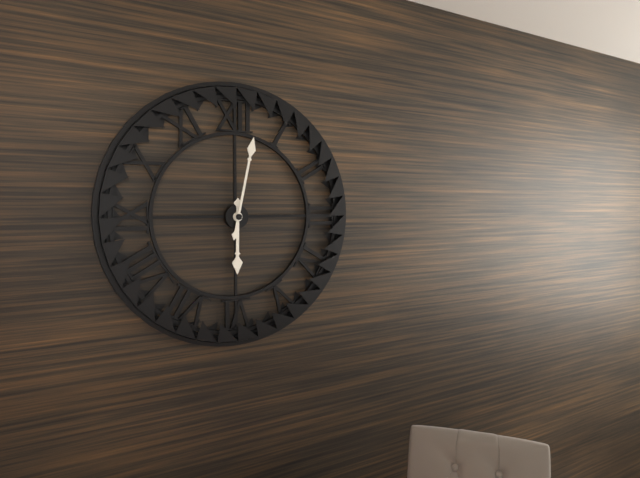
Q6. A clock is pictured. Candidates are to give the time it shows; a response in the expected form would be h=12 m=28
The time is h=6 m=2
